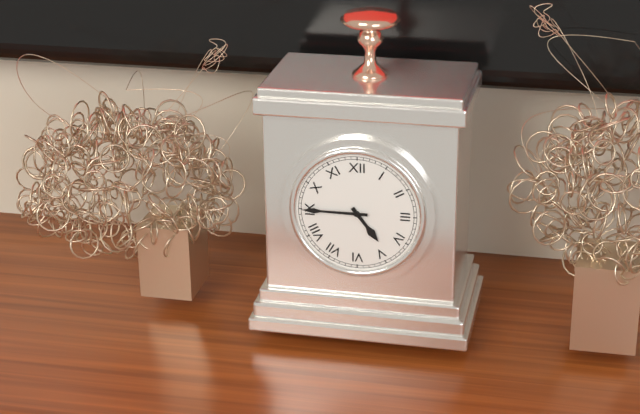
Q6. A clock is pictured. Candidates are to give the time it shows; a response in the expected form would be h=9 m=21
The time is h=4 m=45
